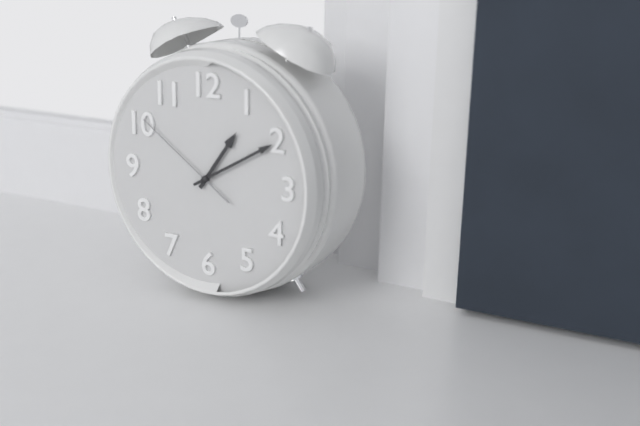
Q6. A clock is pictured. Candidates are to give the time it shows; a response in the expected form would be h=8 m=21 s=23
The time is h=1 m=10 s=51
